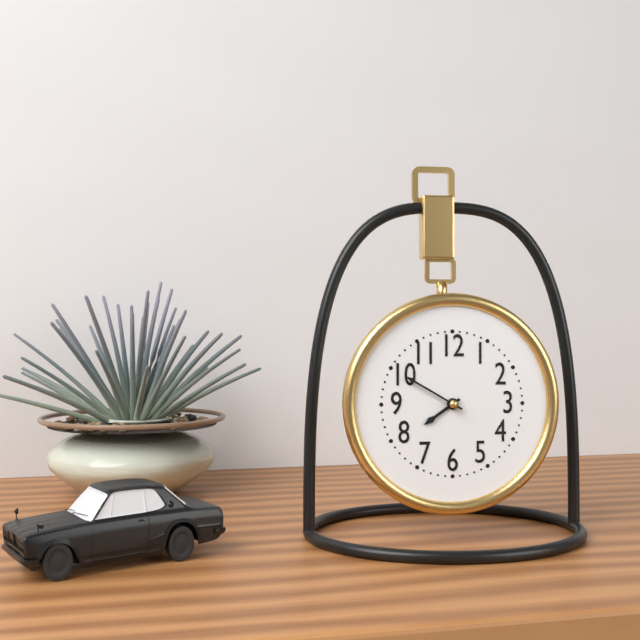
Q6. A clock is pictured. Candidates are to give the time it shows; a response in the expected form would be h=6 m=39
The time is h=7 m=50
